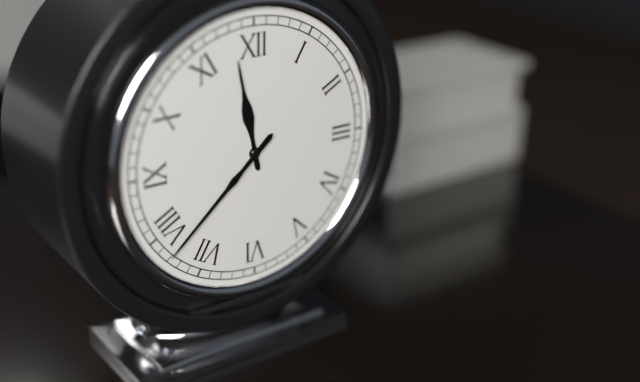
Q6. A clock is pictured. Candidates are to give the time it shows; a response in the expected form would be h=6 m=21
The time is h=11 m=38
